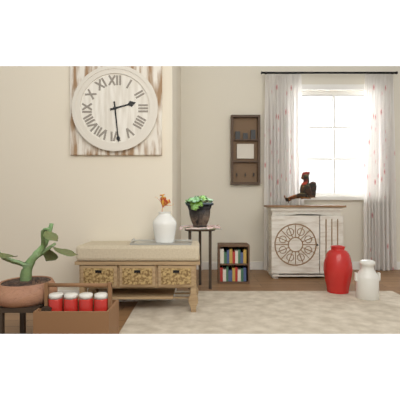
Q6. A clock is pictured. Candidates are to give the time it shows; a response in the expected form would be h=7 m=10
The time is h=2 m=29
